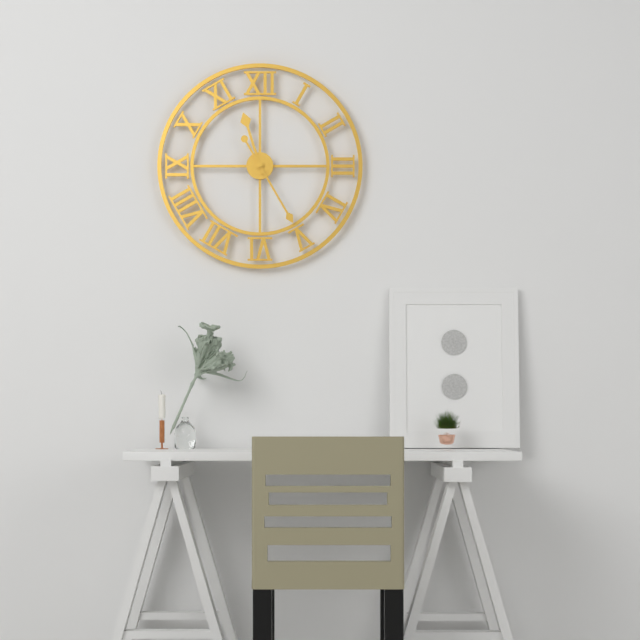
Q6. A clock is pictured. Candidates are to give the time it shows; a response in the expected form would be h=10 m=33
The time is h=11 m=25
